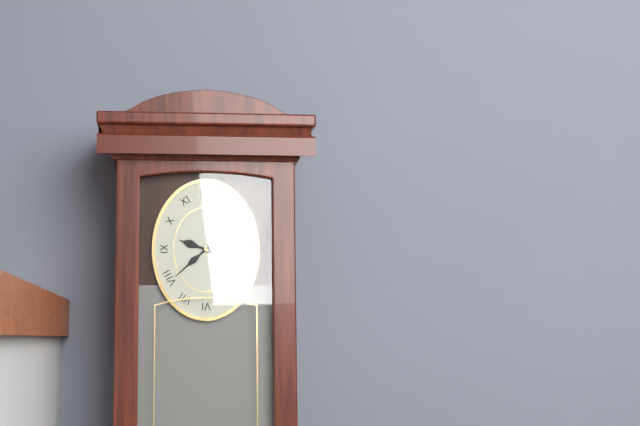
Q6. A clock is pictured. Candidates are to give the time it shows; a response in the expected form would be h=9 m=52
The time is h=9 m=38
